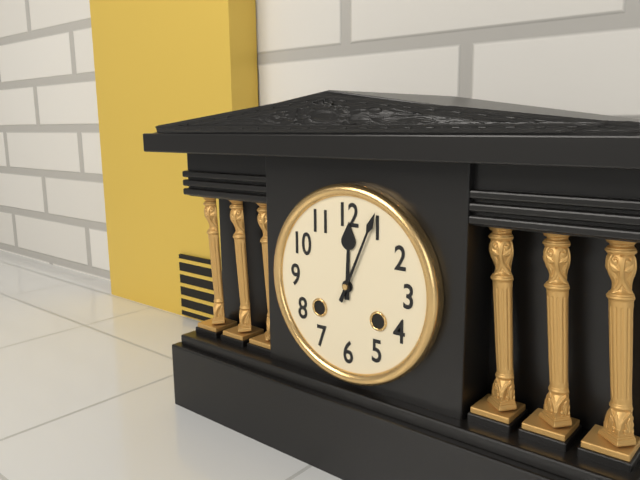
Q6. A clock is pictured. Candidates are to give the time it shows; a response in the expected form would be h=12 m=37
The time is h=12 m=4
